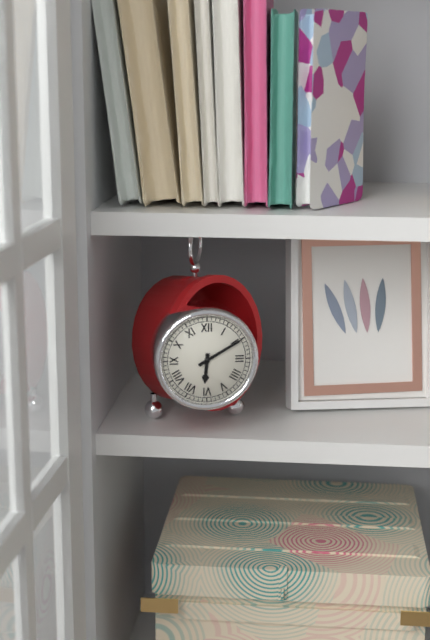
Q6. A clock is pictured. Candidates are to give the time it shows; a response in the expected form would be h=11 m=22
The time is h=6 m=10
